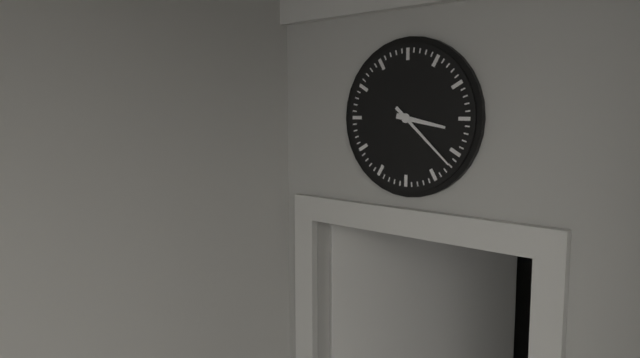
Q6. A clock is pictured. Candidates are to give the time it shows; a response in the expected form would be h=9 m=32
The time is h=3 m=22
